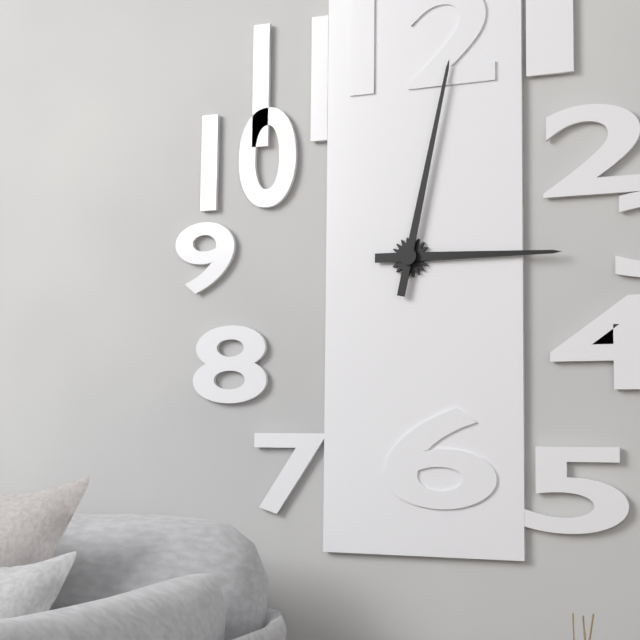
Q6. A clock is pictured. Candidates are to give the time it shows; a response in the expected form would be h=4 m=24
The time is h=3 m=2
